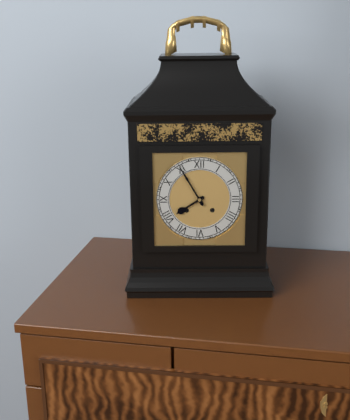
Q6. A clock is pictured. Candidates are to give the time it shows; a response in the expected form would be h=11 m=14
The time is h=7 m=55
